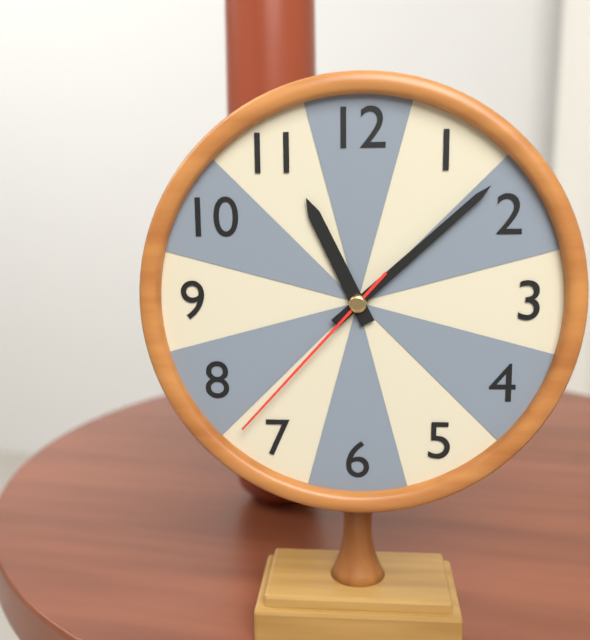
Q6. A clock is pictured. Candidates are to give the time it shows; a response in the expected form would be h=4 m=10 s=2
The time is h=11 m=8 s=37
